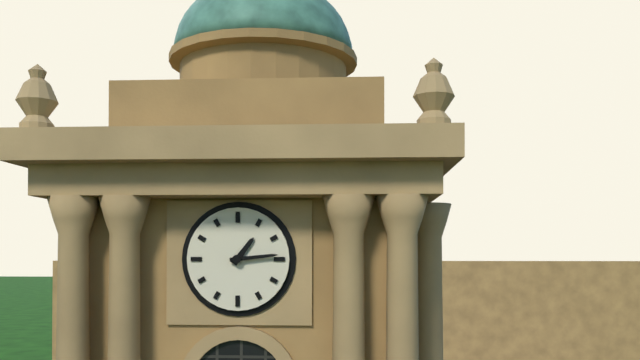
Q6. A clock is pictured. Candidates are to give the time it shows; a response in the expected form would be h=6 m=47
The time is h=1 m=14
